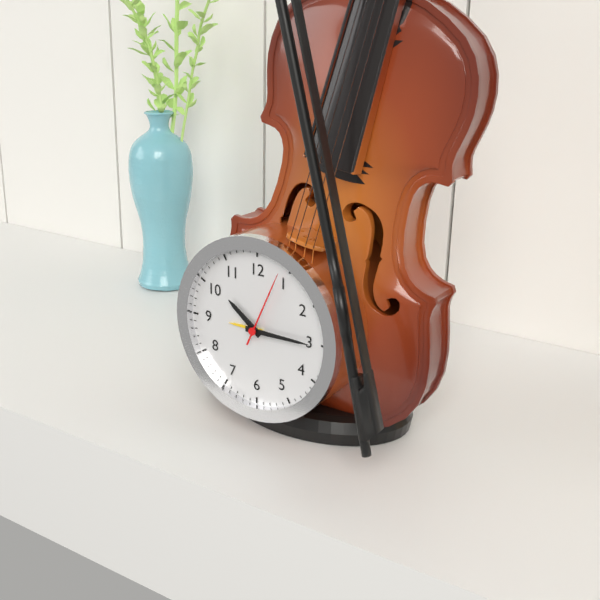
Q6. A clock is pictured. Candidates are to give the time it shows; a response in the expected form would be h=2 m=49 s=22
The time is h=10 m=15 s=4
